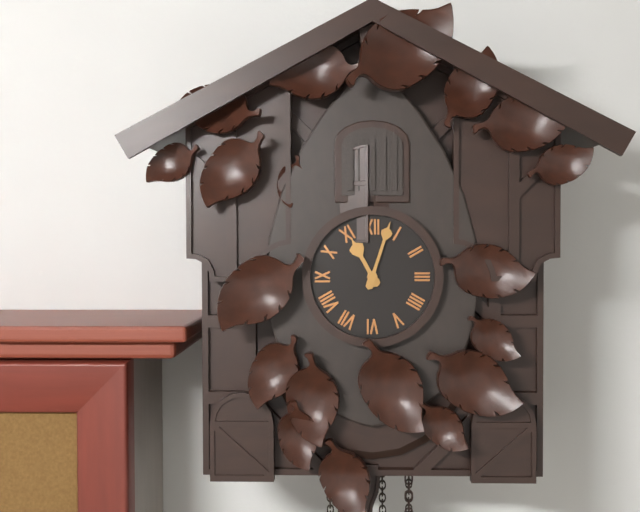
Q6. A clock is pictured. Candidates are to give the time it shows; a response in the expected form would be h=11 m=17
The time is h=11 m=3
